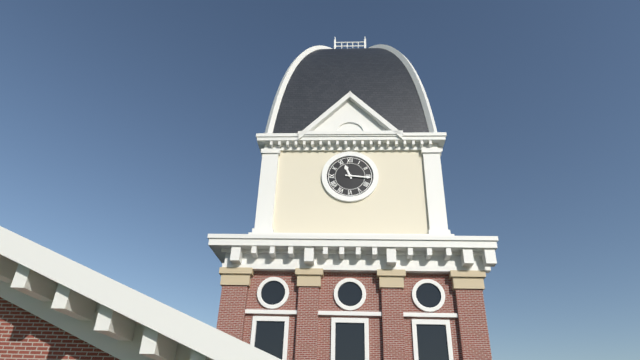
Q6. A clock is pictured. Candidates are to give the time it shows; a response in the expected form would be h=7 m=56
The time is h=11 m=16
